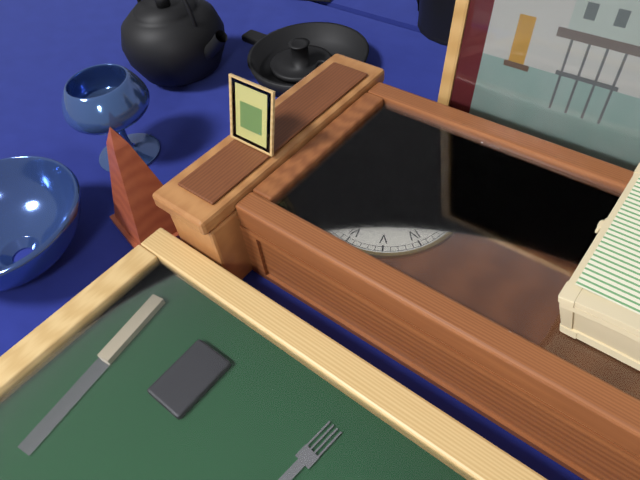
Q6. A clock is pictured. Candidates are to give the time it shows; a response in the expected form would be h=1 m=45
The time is h=9 m=41
